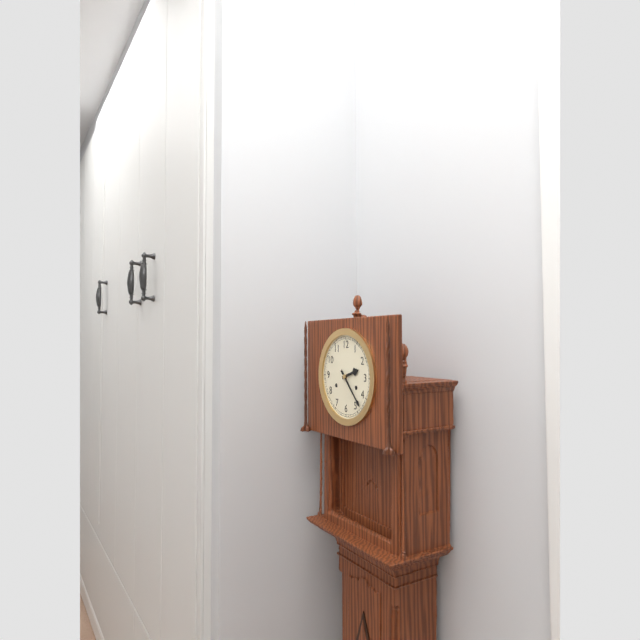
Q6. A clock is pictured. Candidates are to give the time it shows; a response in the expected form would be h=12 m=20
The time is h=2 m=23
